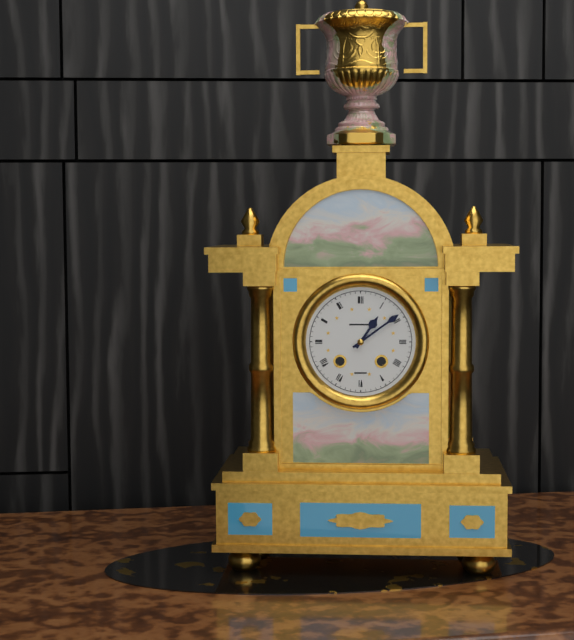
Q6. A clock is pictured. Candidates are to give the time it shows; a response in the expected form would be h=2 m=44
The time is h=1 m=9
